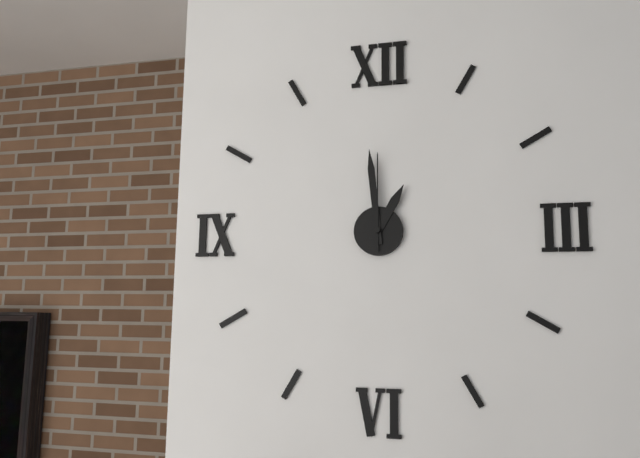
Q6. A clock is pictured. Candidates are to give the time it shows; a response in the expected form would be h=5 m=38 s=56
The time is h=12 m=59 s=0
